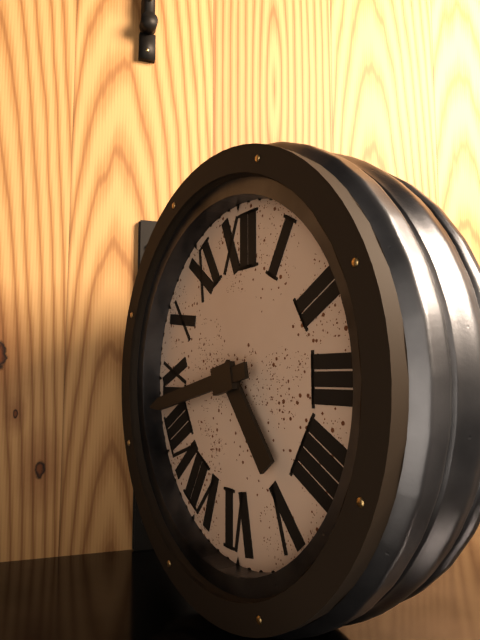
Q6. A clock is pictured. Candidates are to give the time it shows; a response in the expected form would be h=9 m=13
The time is h=4 m=43
